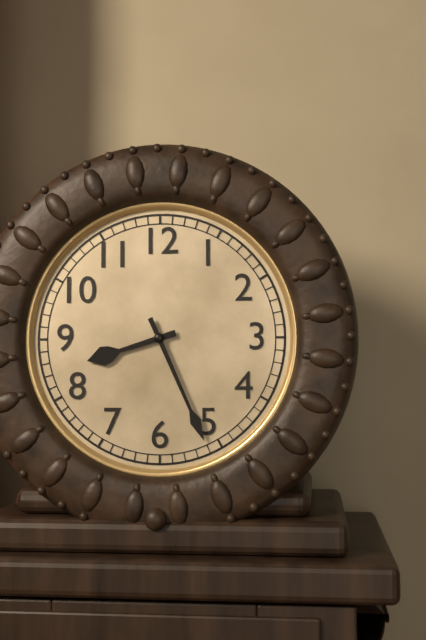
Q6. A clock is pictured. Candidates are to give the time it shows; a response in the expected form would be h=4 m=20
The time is h=8 m=26
